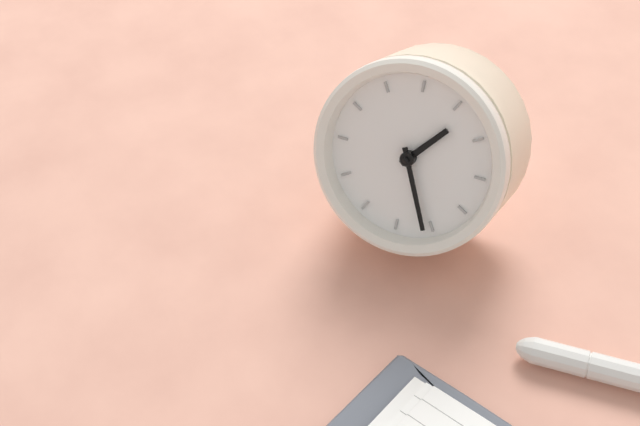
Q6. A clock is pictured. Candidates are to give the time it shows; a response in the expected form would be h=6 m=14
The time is h=12 m=21
